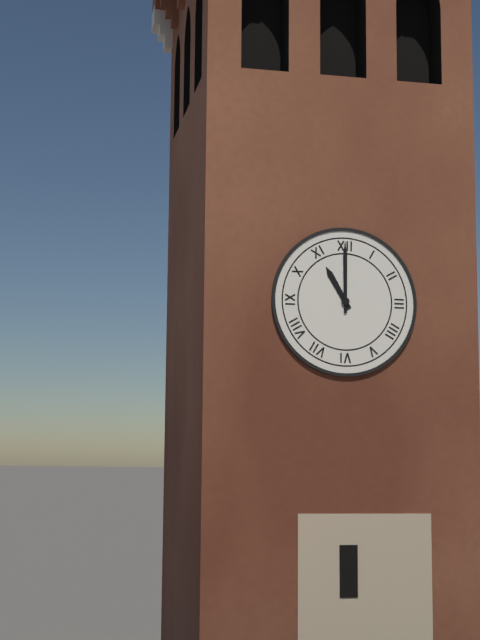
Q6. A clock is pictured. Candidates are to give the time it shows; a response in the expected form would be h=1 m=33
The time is h=11 m=0
